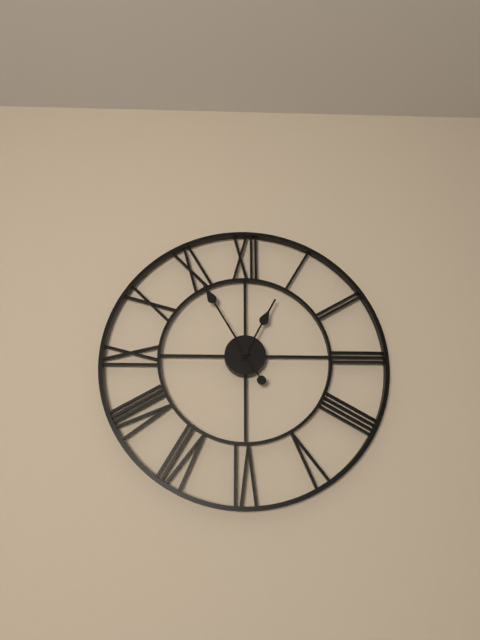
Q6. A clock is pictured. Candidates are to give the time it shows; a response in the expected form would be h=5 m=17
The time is h=12 m=55
